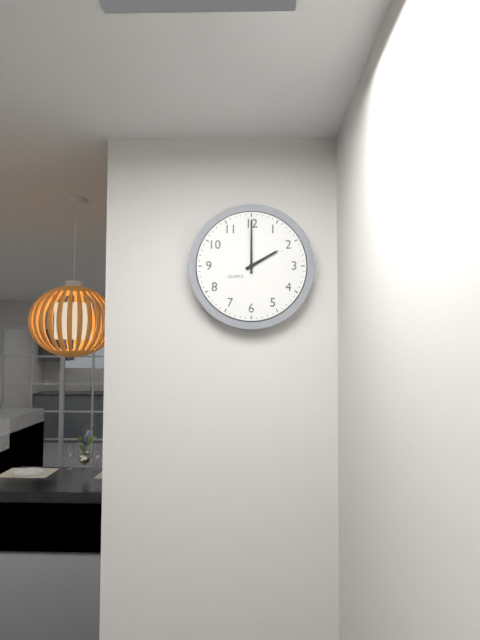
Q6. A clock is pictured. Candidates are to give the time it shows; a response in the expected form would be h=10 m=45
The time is h=2 m=0
